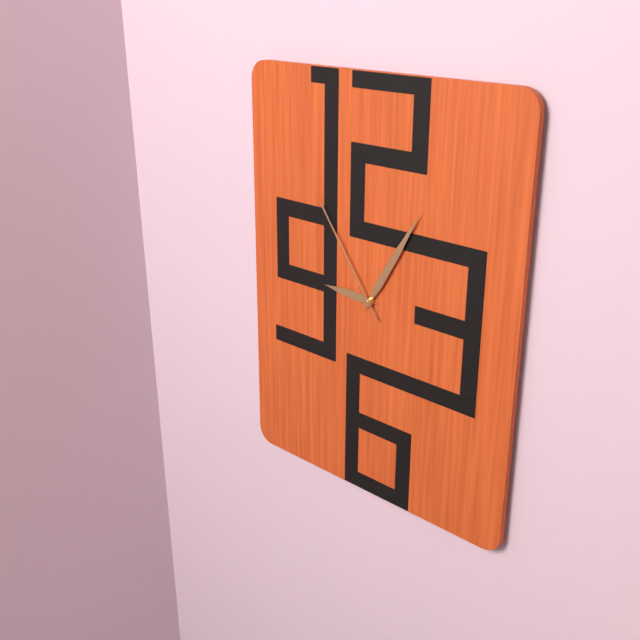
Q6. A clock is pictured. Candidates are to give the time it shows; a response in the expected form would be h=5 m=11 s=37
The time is h=9 m=5 s=54
